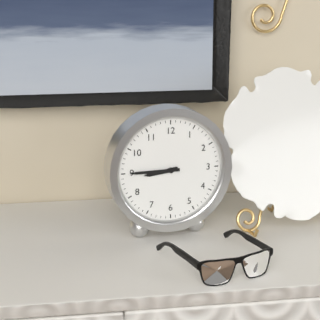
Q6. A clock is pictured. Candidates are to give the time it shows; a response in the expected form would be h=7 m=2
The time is h=8 m=45
